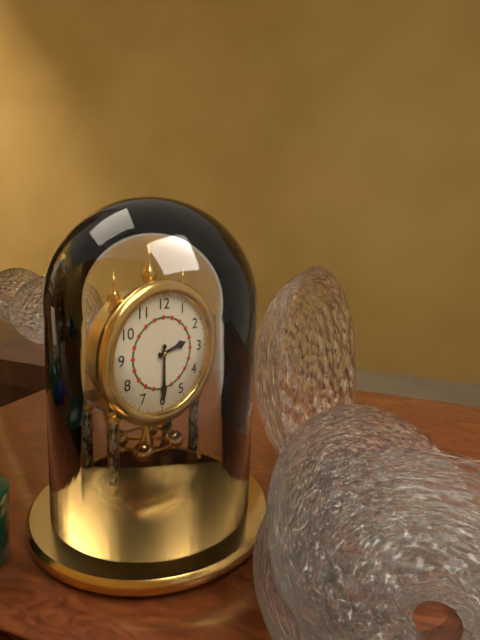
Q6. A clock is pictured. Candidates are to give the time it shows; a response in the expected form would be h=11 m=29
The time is h=2 m=30
